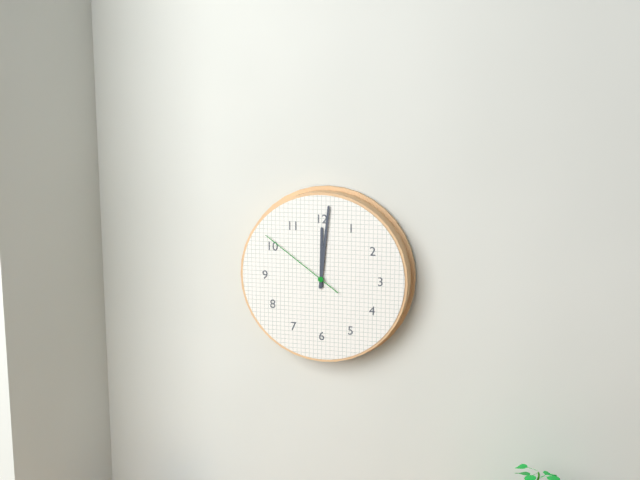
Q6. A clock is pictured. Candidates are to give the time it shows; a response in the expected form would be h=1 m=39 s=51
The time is h=12 m=1 s=51
